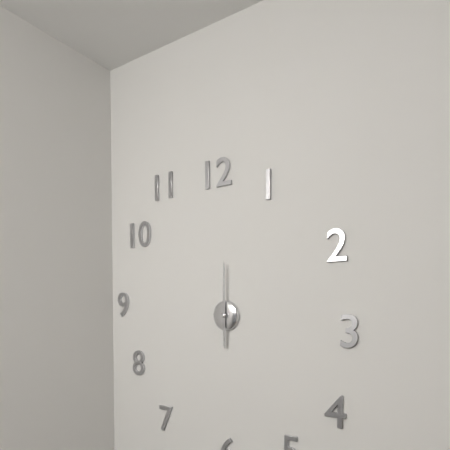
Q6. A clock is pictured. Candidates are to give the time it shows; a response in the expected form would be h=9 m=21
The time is h=6 m=0
